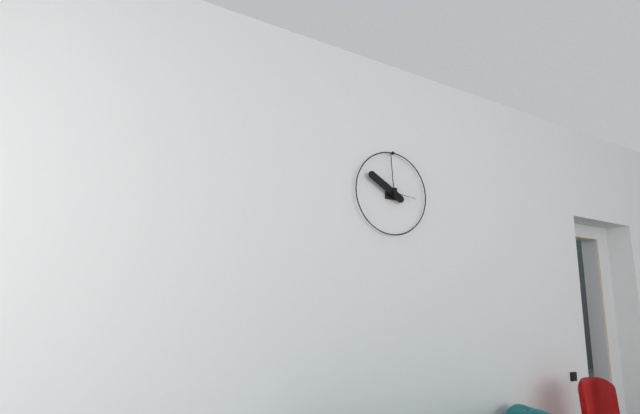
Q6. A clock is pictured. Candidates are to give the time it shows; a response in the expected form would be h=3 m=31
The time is h=9 m=59
